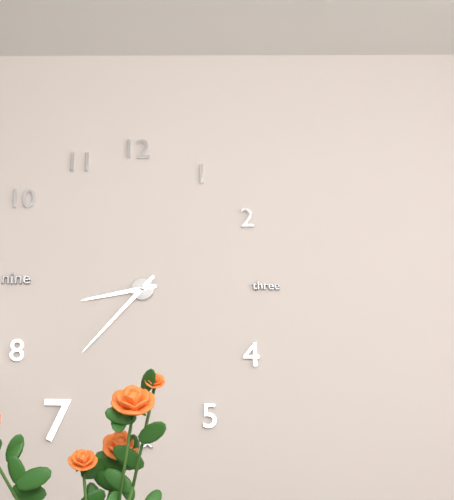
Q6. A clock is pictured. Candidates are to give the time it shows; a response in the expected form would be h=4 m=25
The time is h=8 m=37
